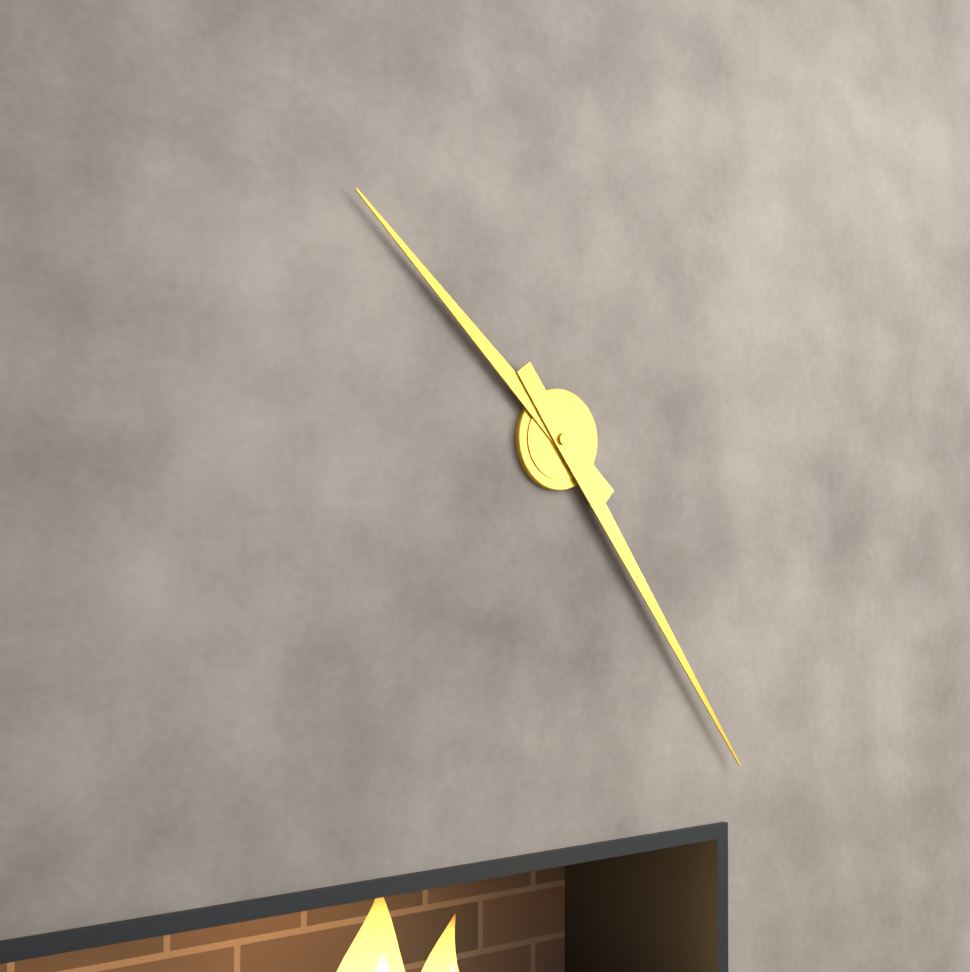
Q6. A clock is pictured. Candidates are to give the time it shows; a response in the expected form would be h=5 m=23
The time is h=10 m=24
